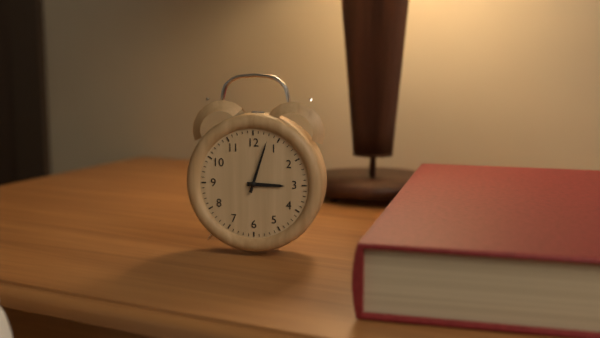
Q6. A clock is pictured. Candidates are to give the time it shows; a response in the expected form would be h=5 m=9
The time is h=3 m=3
